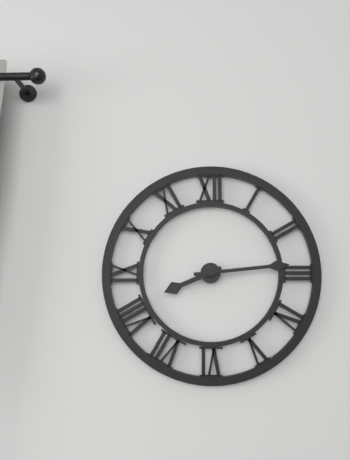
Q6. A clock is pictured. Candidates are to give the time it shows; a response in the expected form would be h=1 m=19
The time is h=8 m=14
